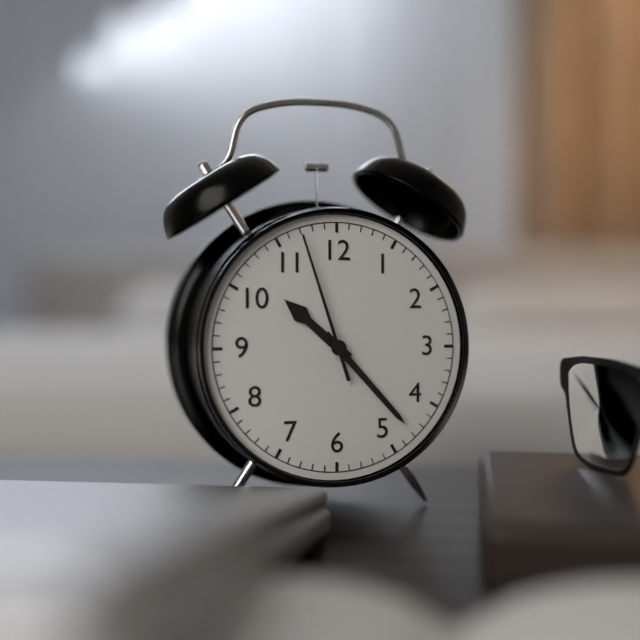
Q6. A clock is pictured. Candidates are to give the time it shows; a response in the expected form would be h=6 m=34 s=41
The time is h=10 m=23 s=57
